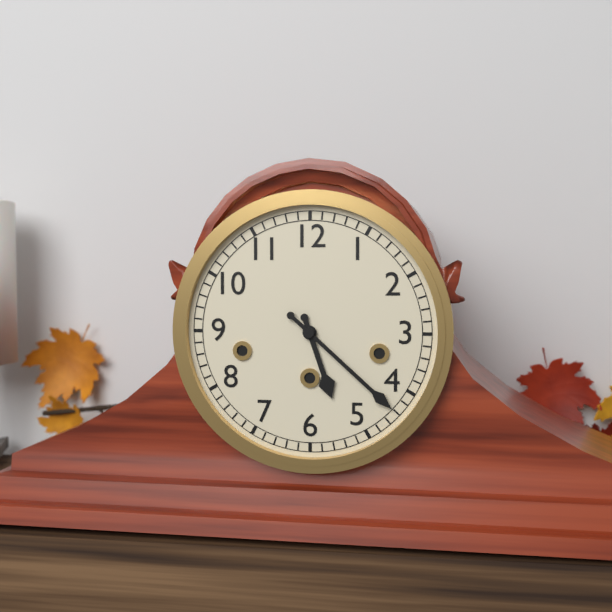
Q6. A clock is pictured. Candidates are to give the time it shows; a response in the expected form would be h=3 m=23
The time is h=5 m=22
